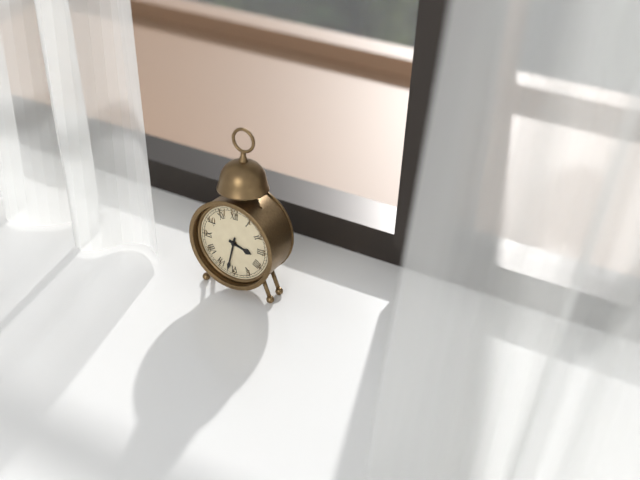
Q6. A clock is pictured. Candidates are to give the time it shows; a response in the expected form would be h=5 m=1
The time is h=3 m=32
